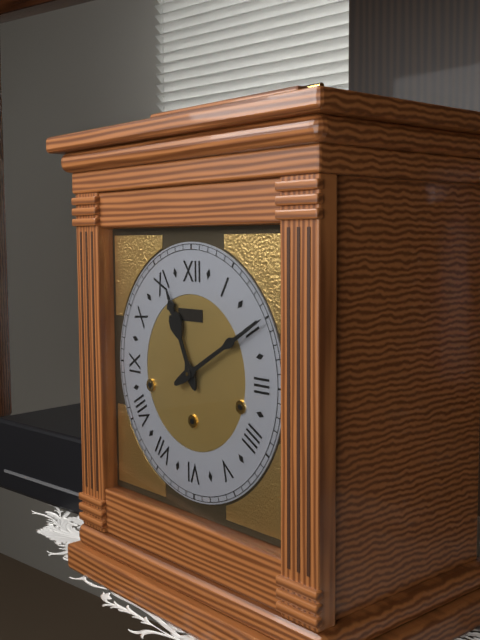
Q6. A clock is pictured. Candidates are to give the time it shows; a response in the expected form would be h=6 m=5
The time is h=11 m=10
